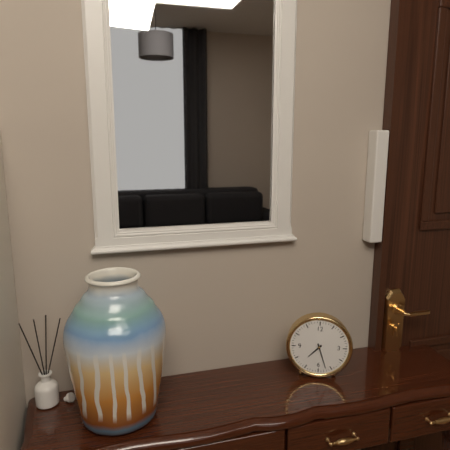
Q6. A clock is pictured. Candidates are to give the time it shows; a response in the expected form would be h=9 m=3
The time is h=7 m=27
